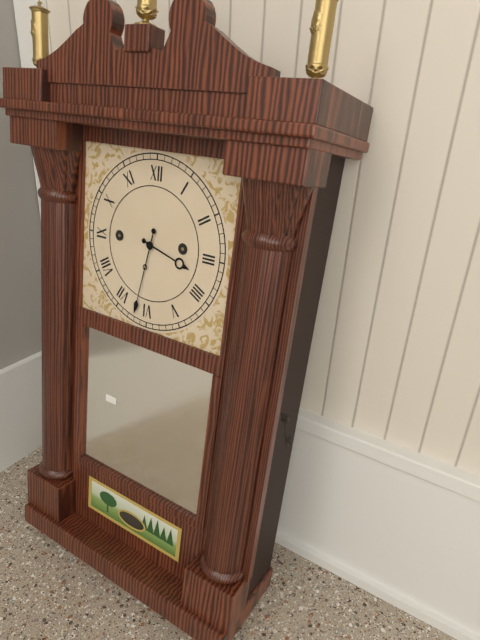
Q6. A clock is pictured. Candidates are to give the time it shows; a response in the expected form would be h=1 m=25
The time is h=3 m=32
